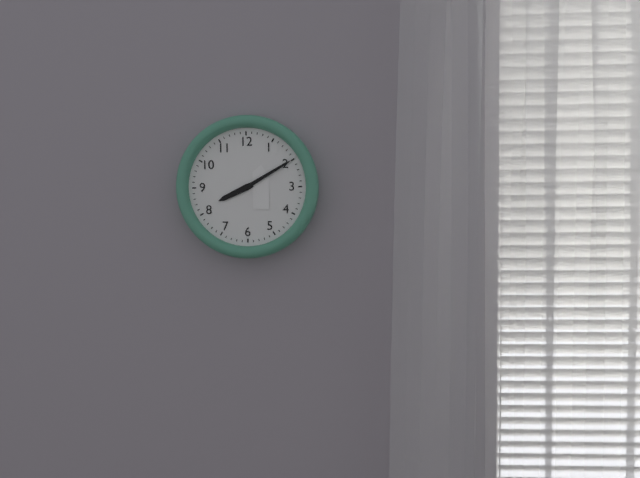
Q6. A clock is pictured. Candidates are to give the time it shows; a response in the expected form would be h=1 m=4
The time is h=8 m=10
